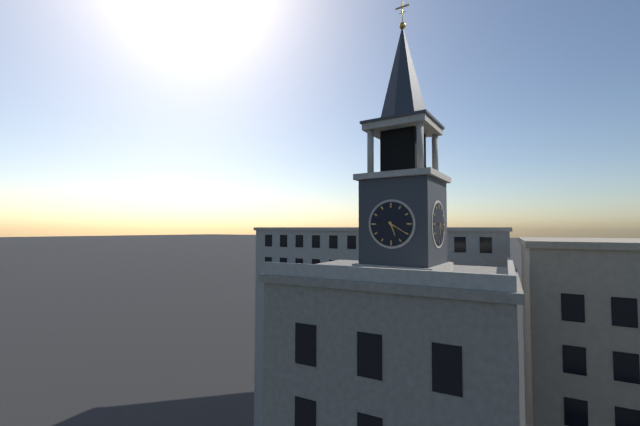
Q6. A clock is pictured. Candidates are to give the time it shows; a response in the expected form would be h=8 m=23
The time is h=5 m=20
